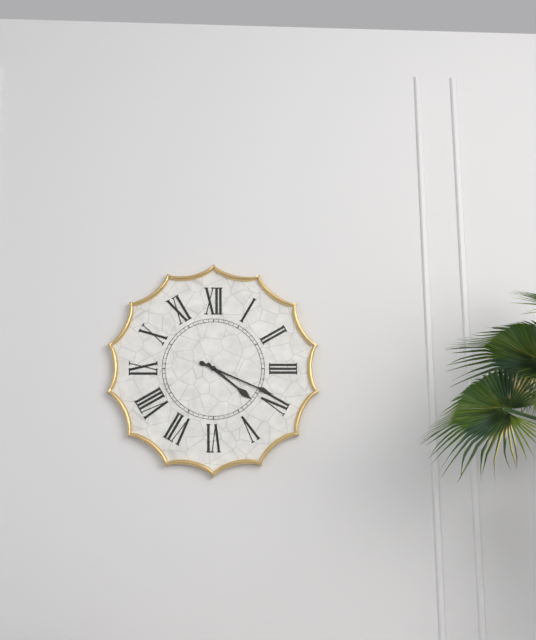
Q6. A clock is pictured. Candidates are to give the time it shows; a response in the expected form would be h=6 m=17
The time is h=4 m=19
